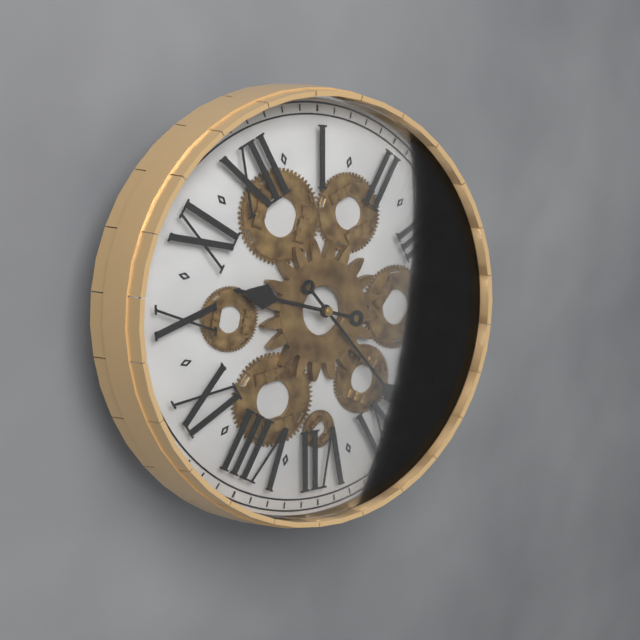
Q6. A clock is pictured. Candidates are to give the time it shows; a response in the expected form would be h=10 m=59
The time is h=10 m=28
